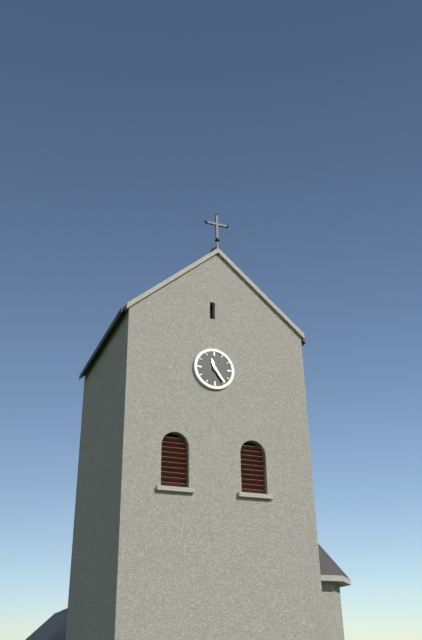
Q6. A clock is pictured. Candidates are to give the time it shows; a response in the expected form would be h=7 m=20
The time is h=11 m=24
